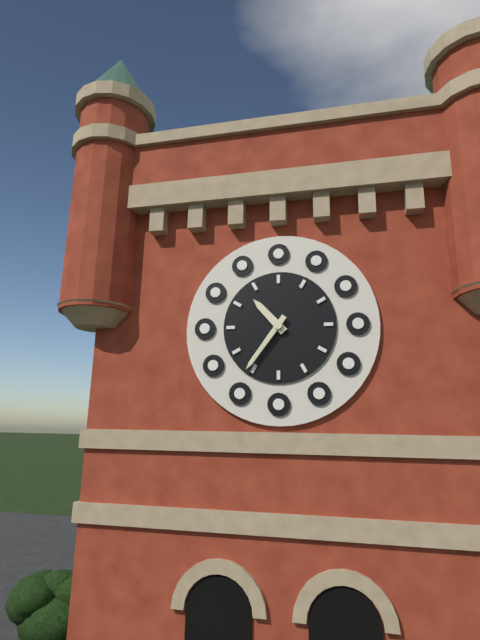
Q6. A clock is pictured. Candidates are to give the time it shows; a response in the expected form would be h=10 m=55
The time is h=10 m=36
